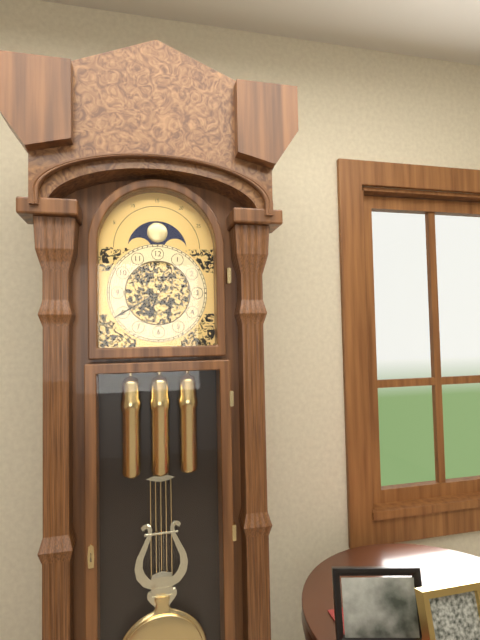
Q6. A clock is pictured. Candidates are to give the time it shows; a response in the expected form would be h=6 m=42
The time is h=6 m=40
